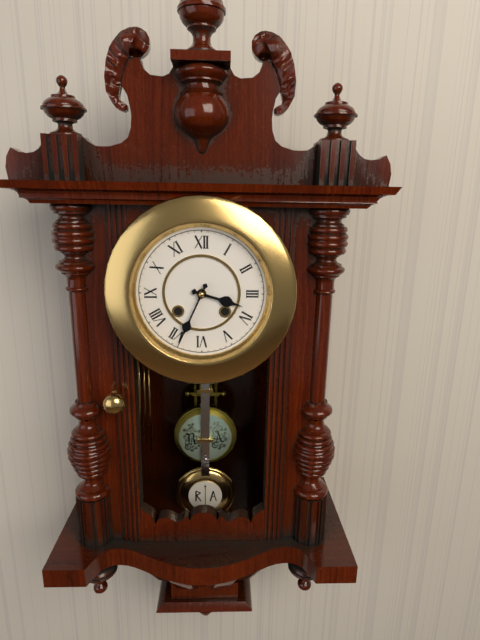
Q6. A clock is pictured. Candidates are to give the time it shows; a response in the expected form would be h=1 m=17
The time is h=3 m=34
